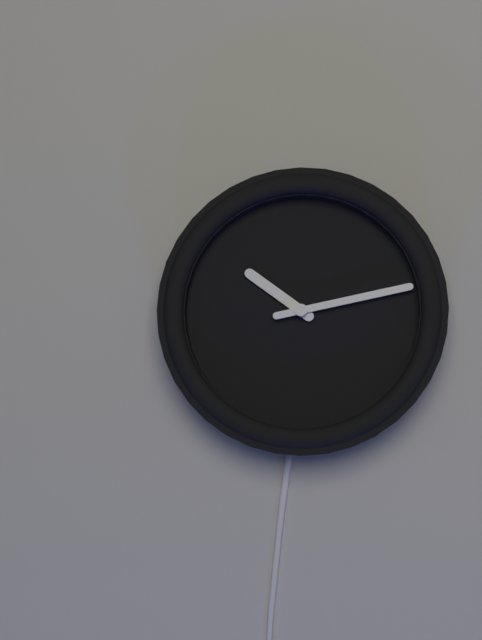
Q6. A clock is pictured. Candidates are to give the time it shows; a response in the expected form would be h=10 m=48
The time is h=10 m=13
